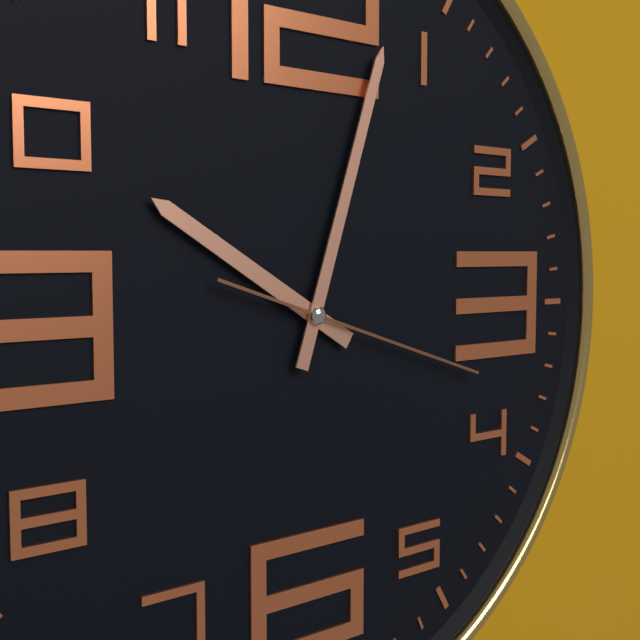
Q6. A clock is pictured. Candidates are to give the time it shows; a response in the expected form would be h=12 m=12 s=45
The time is h=10 m=3 s=18
